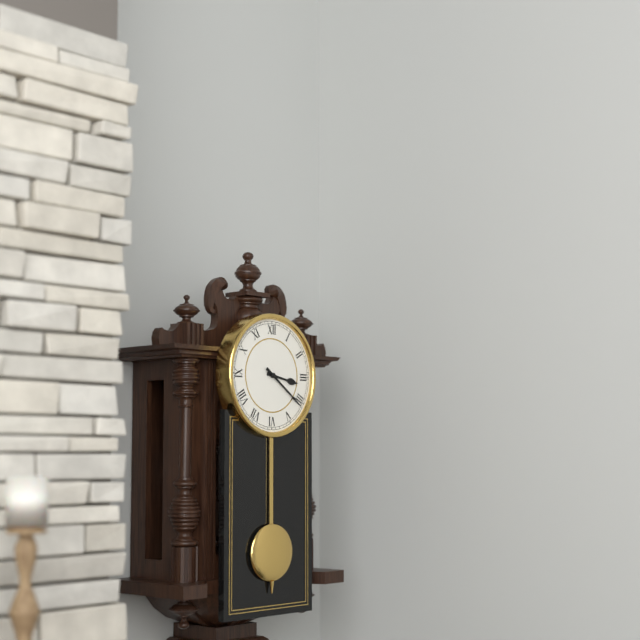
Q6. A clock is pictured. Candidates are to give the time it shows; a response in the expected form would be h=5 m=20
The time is h=3 m=21
